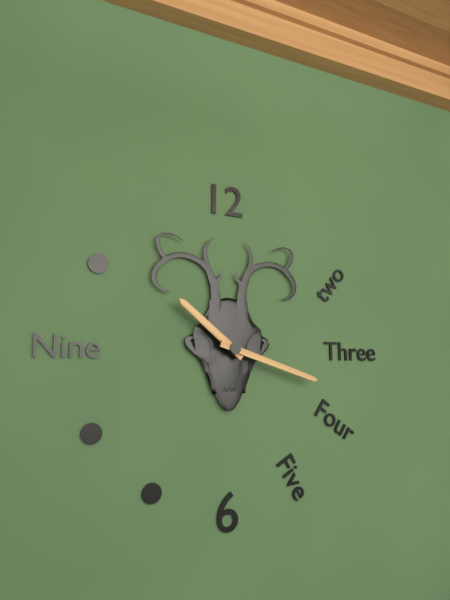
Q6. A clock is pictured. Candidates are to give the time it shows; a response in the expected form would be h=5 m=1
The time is h=10 m=18
